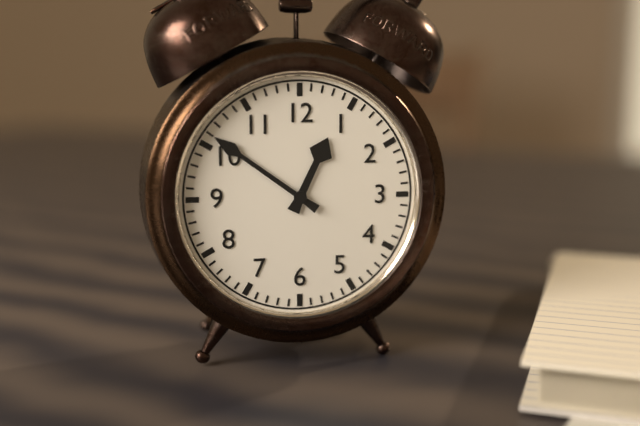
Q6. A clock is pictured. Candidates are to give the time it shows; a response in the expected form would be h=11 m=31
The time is h=12 m=51
